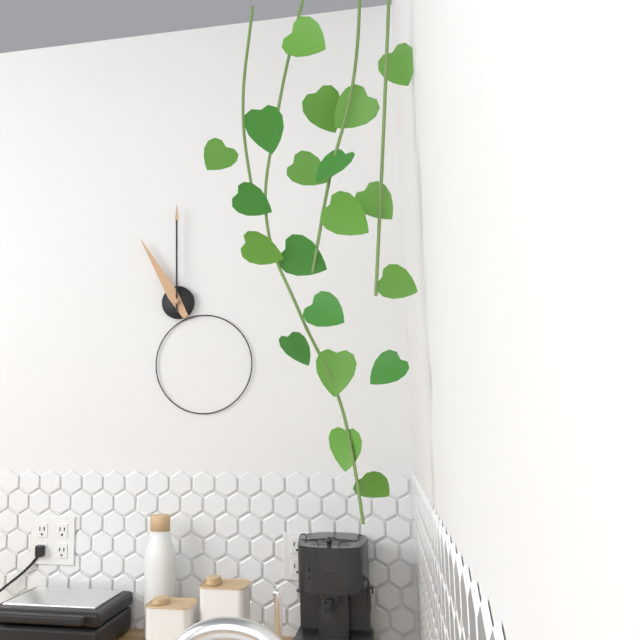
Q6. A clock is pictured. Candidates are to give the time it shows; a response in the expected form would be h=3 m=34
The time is h=11 m=0
